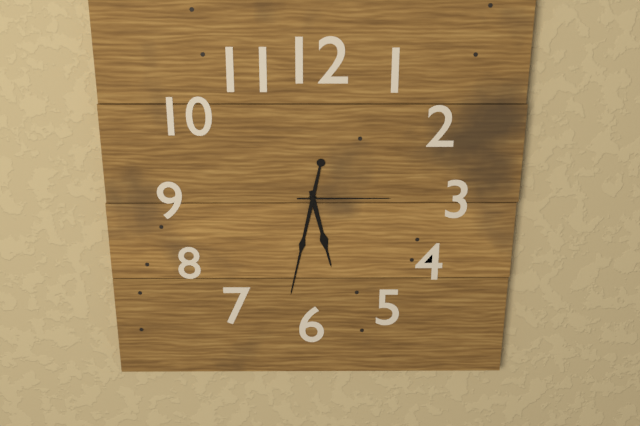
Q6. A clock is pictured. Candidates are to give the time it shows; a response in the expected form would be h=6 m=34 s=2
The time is h=5 m=32 s=15
